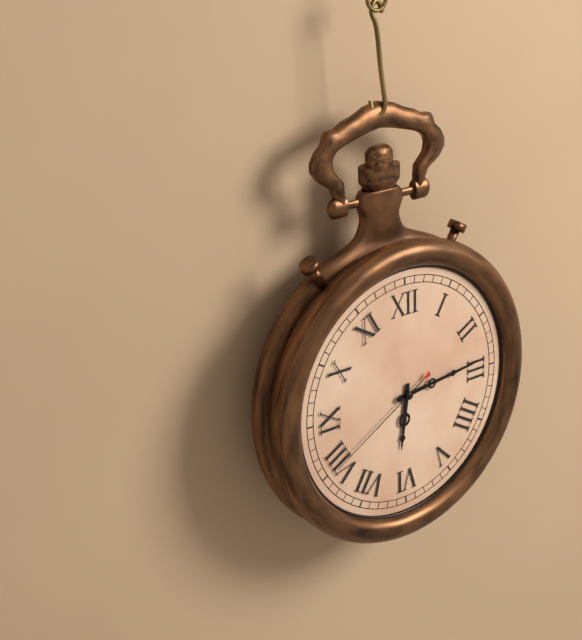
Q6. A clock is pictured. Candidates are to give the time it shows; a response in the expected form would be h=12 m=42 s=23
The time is h=6 m=14 s=40
